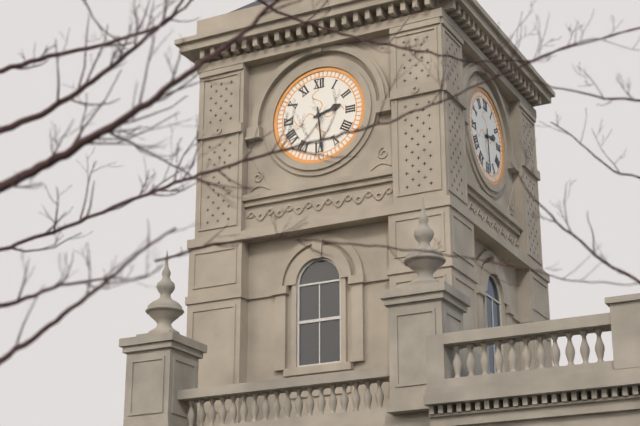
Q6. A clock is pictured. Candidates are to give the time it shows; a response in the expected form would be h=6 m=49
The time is h=2 m=29
